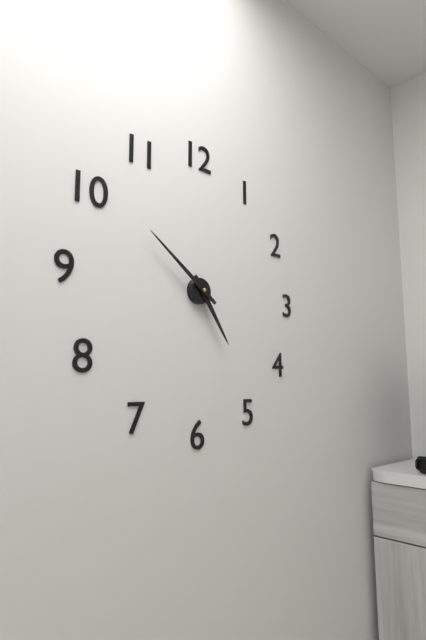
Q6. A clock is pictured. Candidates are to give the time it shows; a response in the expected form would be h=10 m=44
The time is h=4 m=51
